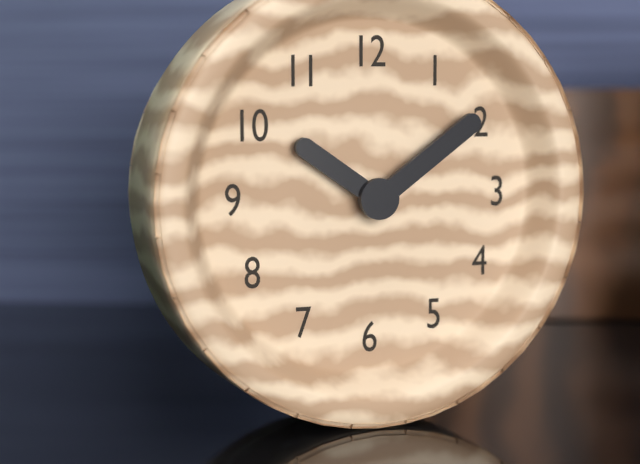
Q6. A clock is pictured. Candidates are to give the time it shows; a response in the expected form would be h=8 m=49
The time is h=10 m=9
